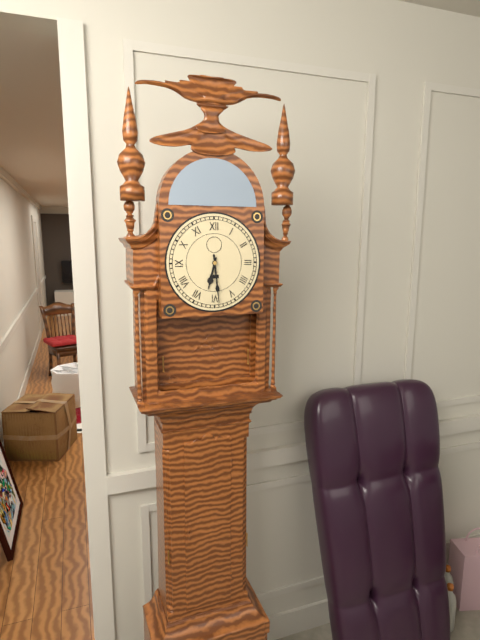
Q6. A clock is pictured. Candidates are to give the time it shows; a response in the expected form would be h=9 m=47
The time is h=6 m=29
